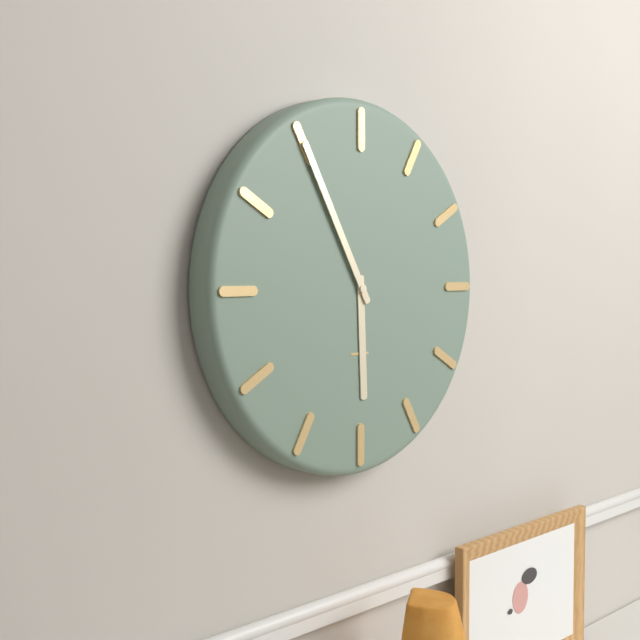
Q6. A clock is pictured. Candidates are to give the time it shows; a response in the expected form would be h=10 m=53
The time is h=5 m=55
